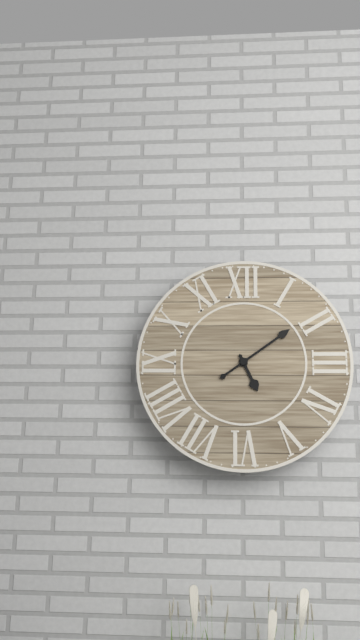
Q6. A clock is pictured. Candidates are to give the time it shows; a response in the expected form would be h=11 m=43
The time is h=5 m=9
